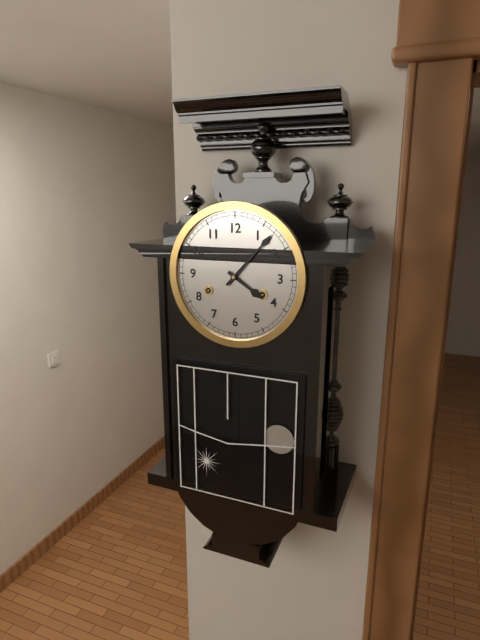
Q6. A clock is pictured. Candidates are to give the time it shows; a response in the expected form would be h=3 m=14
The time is h=4 m=7
